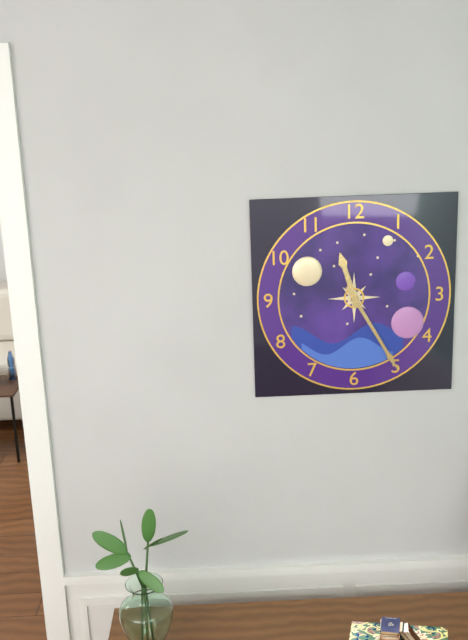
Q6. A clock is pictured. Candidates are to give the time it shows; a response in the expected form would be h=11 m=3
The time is h=11 m=25
